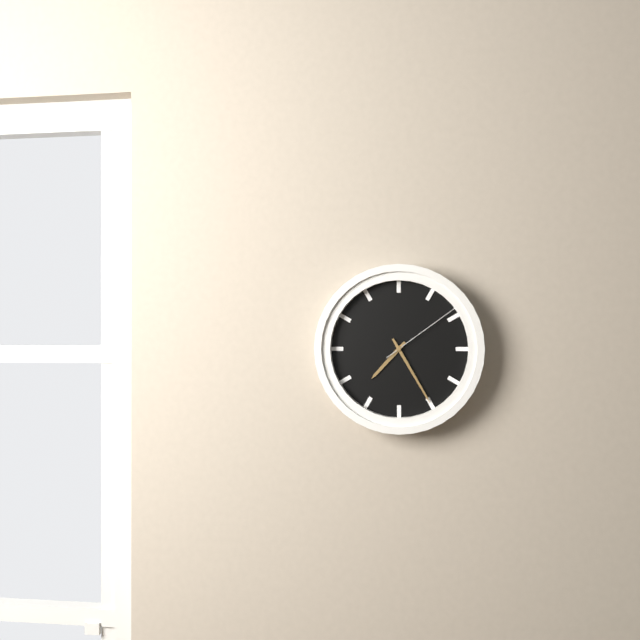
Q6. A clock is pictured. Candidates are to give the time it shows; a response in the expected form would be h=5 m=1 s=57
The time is h=7 m=25 s=9
